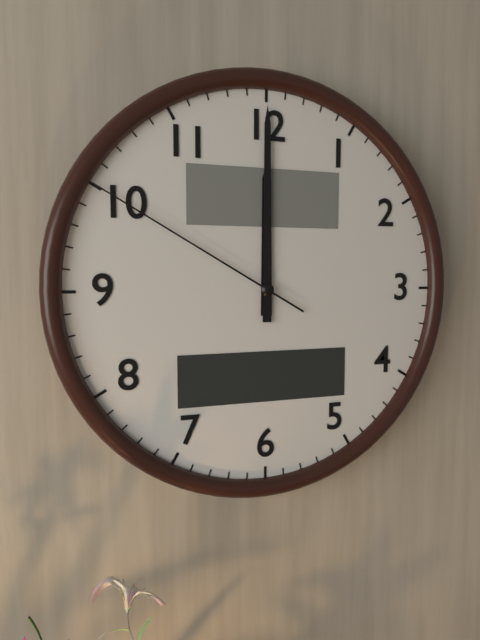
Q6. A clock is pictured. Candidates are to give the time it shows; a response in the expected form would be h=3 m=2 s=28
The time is h=12 m=0 s=50
